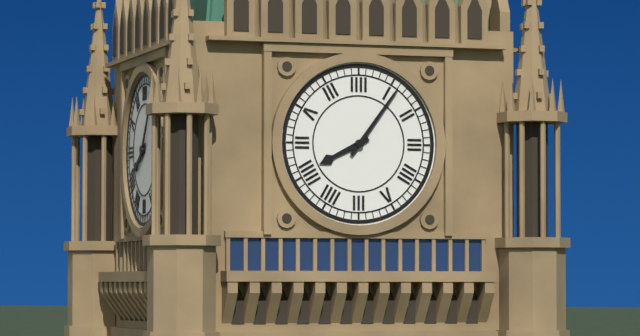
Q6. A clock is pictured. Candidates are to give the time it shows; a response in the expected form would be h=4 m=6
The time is h=8 m=6
